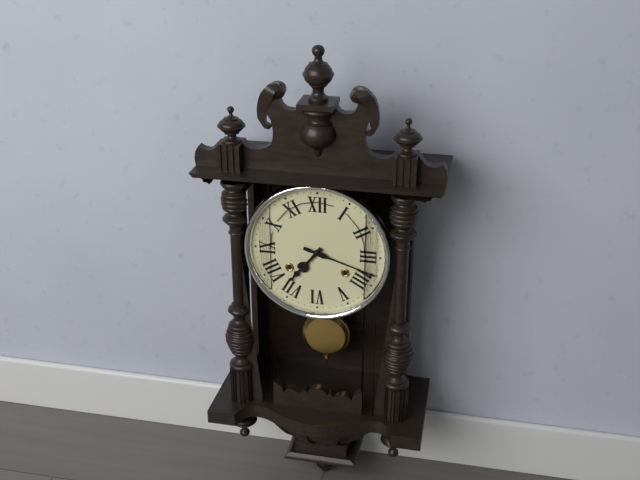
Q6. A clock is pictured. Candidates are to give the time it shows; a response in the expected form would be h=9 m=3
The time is h=7 m=18
